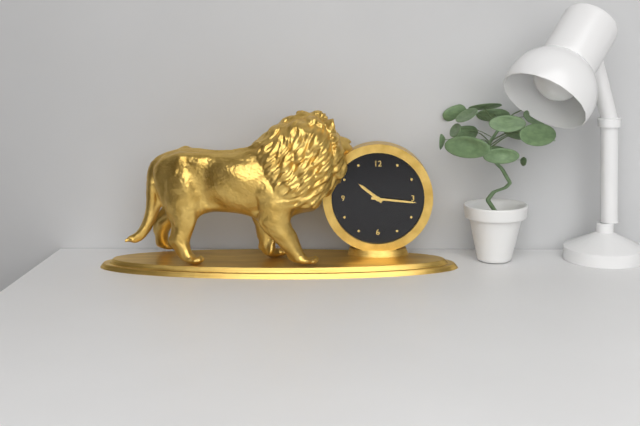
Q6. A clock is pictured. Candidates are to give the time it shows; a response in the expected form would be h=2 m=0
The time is h=10 m=16
